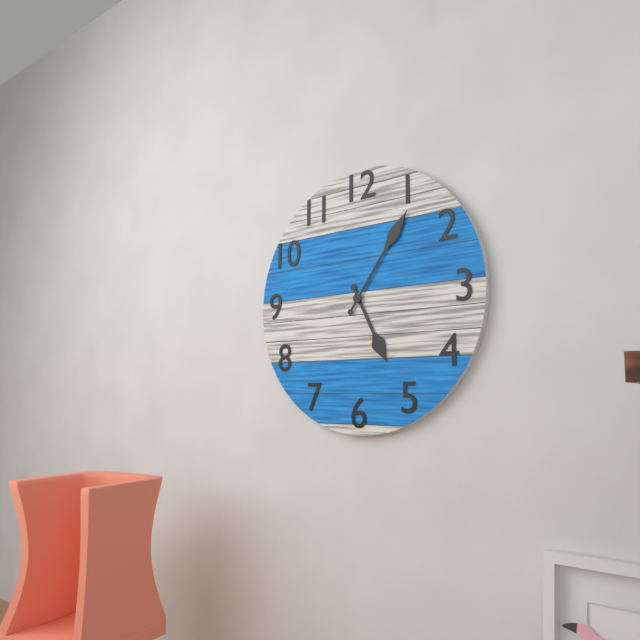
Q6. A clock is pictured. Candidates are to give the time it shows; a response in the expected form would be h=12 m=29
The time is h=5 m=6
